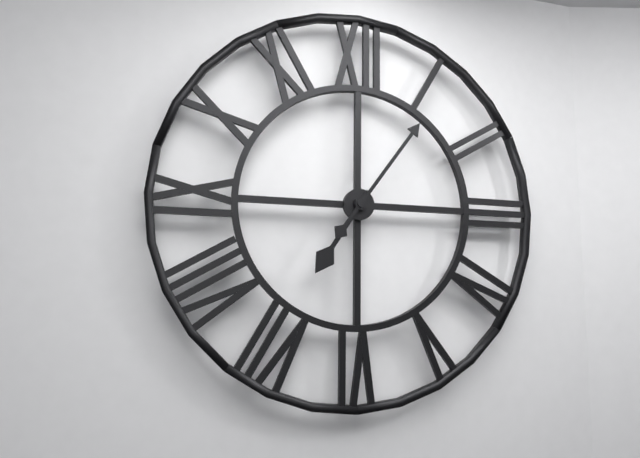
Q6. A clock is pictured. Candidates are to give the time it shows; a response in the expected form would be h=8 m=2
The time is h=7 m=6
